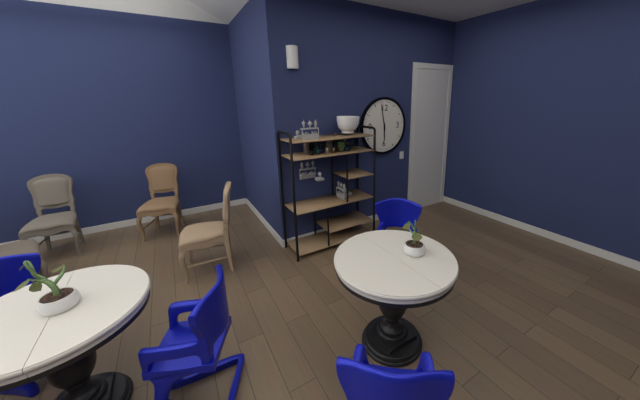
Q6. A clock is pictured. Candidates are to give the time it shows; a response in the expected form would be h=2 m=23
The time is h=5 m=58
